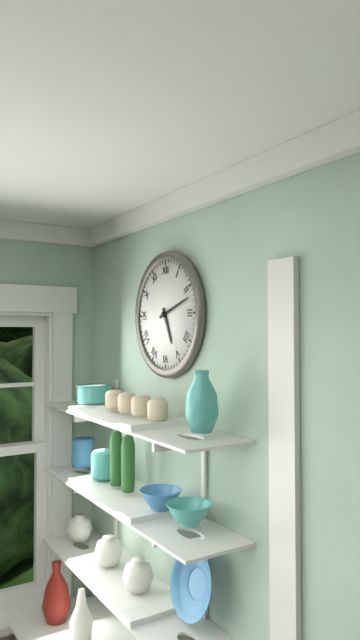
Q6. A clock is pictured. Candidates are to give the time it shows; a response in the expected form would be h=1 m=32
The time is h=5 m=12
